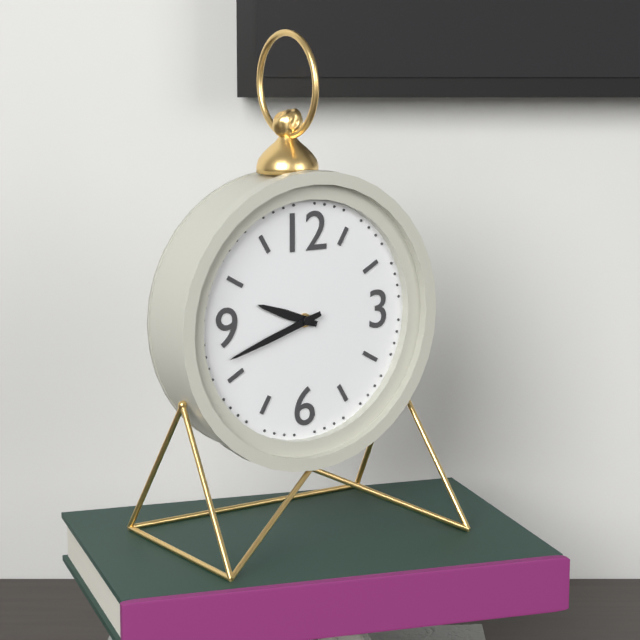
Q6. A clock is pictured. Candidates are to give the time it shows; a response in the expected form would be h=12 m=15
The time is h=9 m=42
